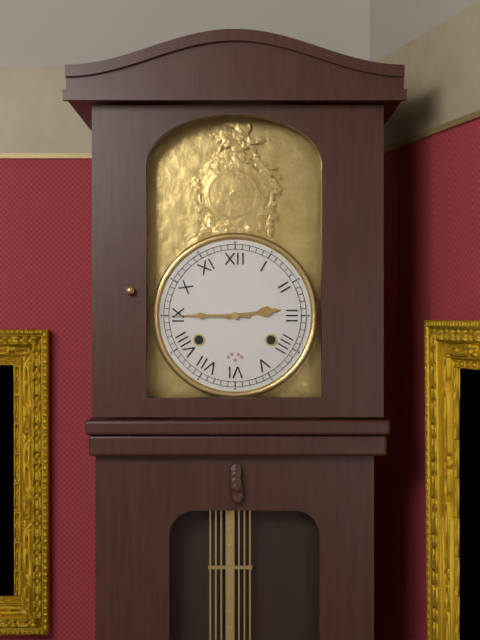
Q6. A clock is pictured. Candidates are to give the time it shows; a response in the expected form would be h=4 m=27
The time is h=2 m=45
